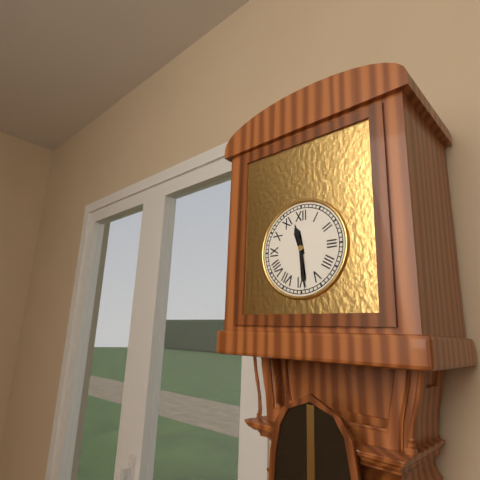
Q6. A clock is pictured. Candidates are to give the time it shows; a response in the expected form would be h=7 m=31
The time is h=11 m=29
